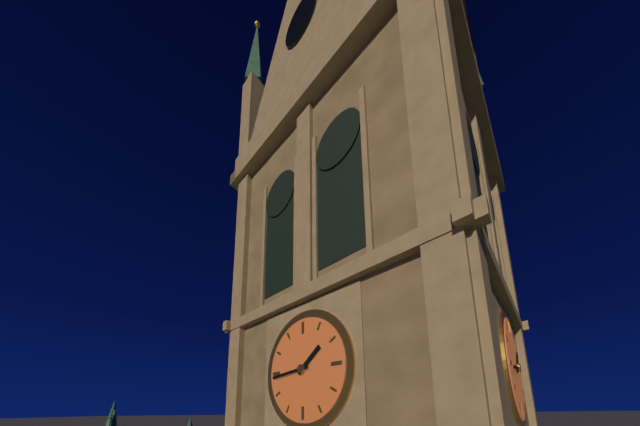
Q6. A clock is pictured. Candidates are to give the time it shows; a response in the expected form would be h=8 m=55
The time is h=1 m=44
